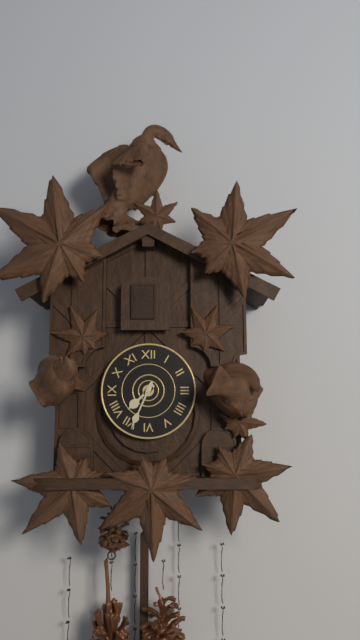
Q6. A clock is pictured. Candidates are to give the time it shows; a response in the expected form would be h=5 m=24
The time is h=7 m=34
